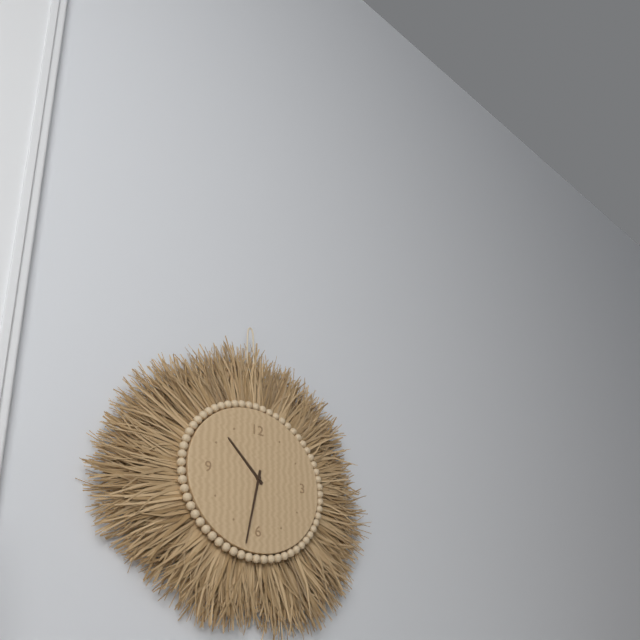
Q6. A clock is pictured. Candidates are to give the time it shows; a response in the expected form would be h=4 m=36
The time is h=10 m=32
